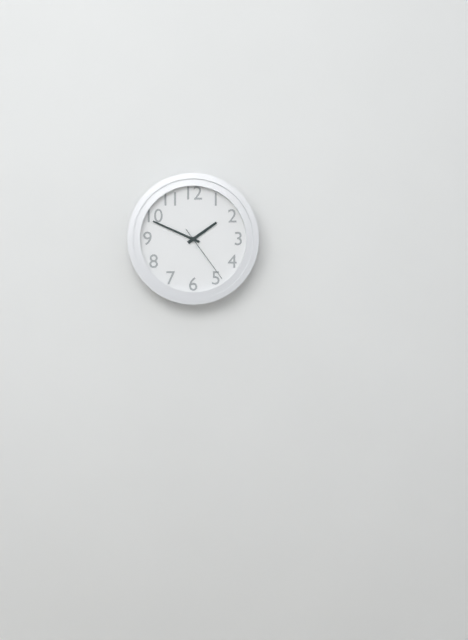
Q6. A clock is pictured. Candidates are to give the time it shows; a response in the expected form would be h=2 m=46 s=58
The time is h=1 m=49 s=24
